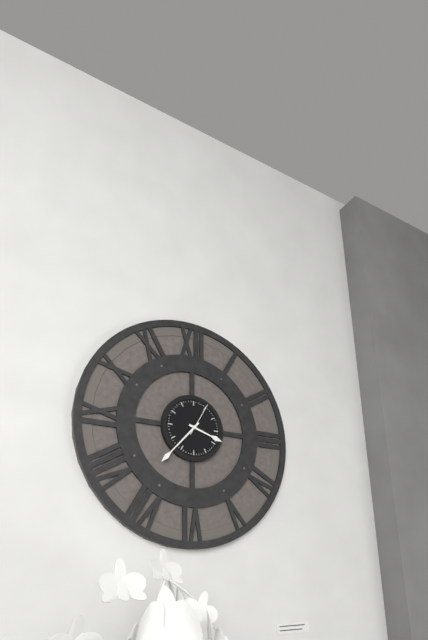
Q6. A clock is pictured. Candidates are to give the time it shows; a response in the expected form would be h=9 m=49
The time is h=3 m=37
